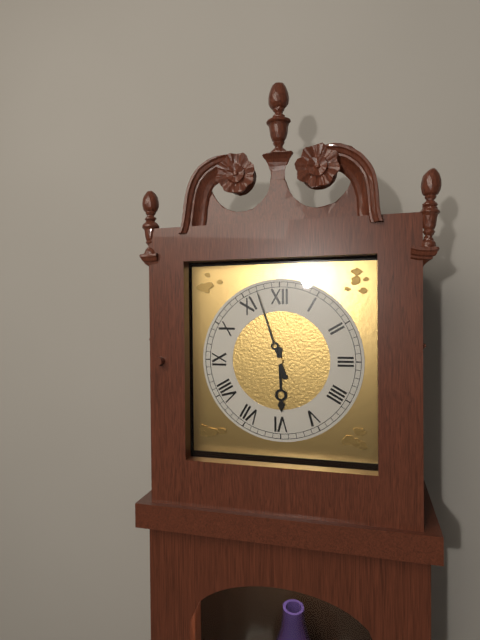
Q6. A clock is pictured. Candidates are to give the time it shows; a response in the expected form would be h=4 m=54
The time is h=5 m=57
